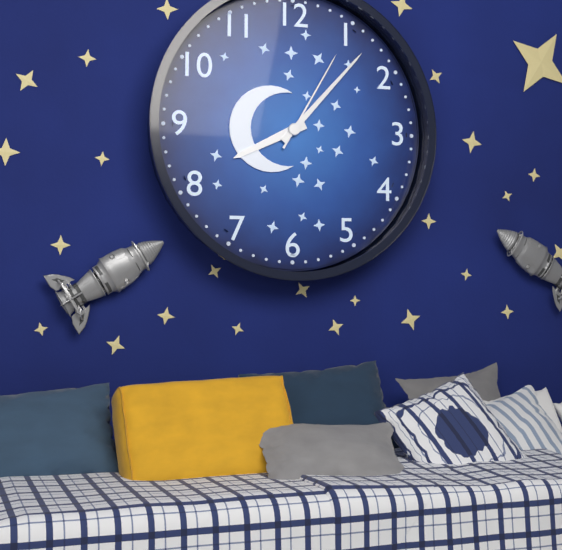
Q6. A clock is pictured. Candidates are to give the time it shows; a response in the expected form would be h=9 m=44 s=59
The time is h=8 m=7 s=5
